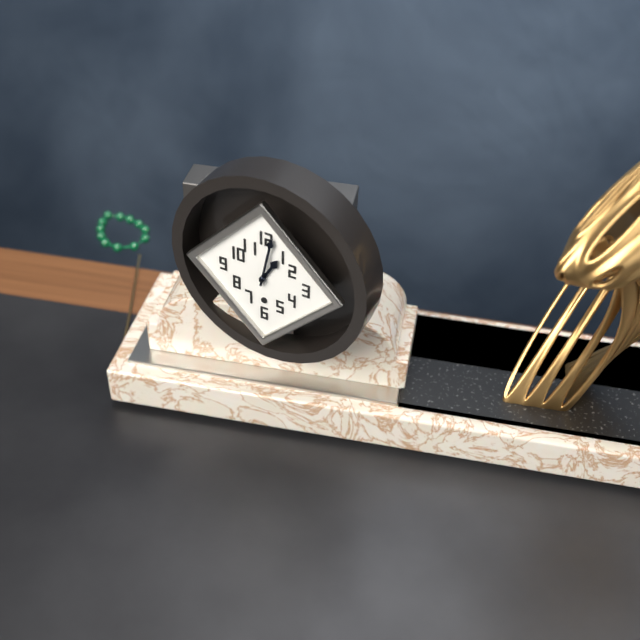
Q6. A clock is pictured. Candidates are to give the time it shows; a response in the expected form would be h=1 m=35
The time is h=1 m=2
